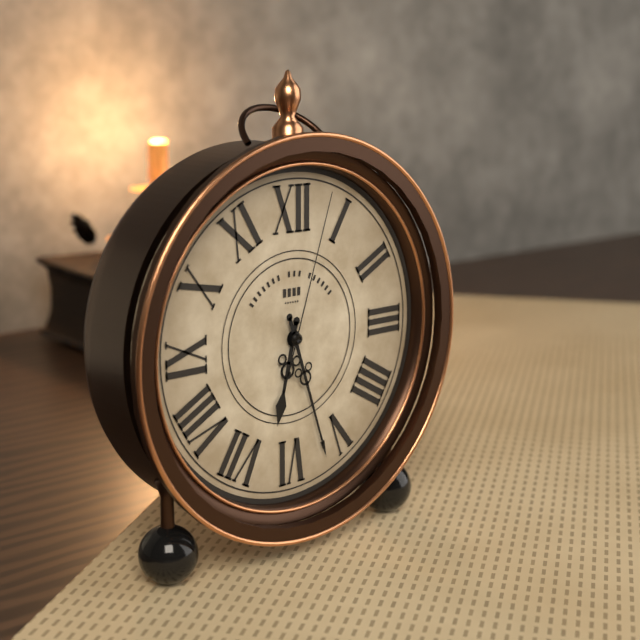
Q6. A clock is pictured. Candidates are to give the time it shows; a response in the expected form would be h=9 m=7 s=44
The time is h=6 m=27 s=3
